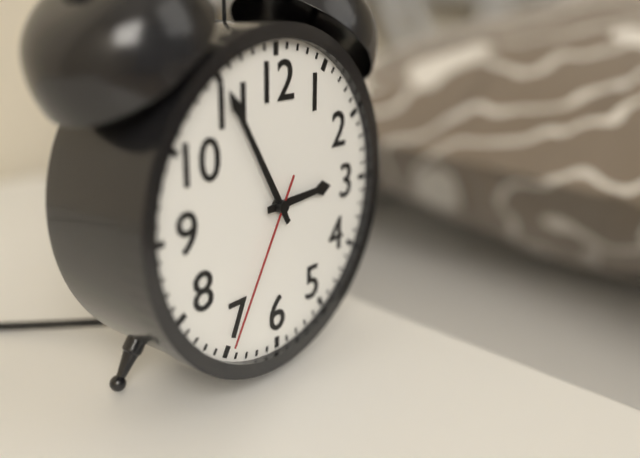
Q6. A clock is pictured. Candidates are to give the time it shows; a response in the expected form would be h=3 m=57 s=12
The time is h=2 m=55 s=35
